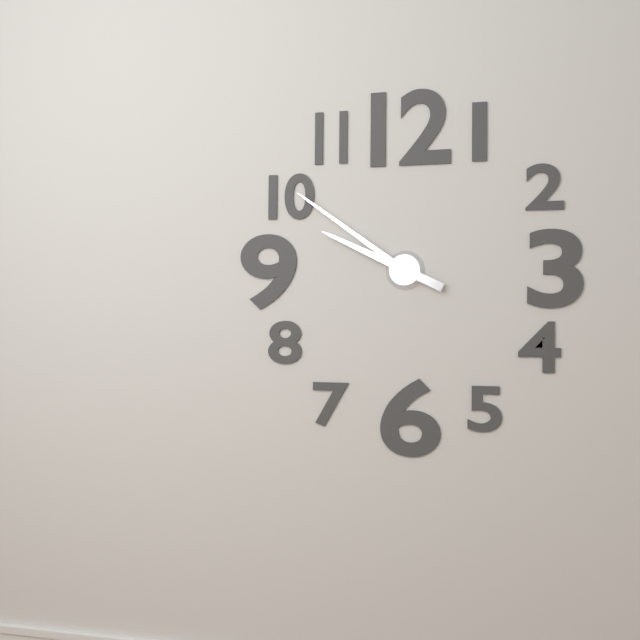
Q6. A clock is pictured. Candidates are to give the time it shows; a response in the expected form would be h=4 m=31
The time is h=9 m=51
